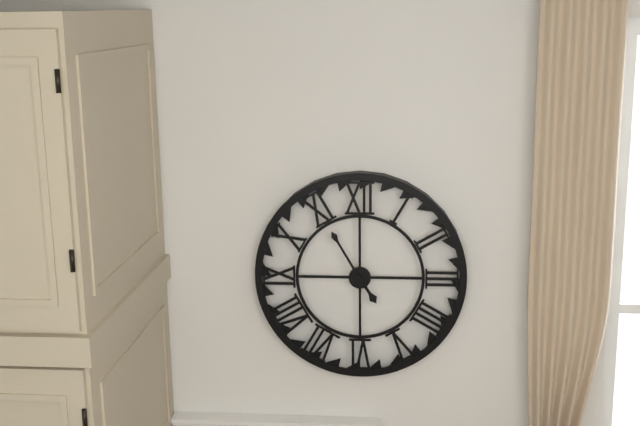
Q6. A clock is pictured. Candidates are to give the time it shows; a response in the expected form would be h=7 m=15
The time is h=4 m=55
